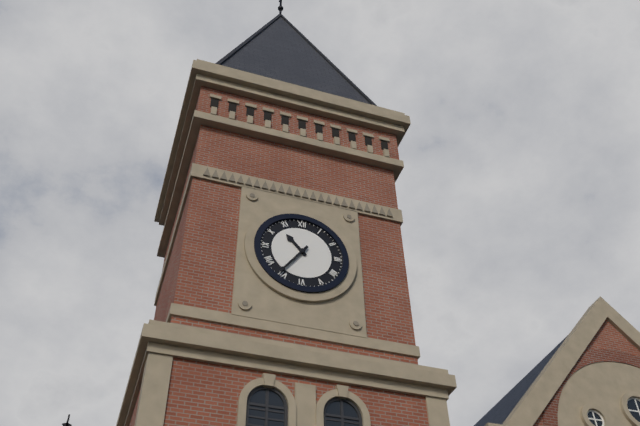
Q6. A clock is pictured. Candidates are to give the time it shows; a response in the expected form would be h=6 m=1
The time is h=10 m=36
